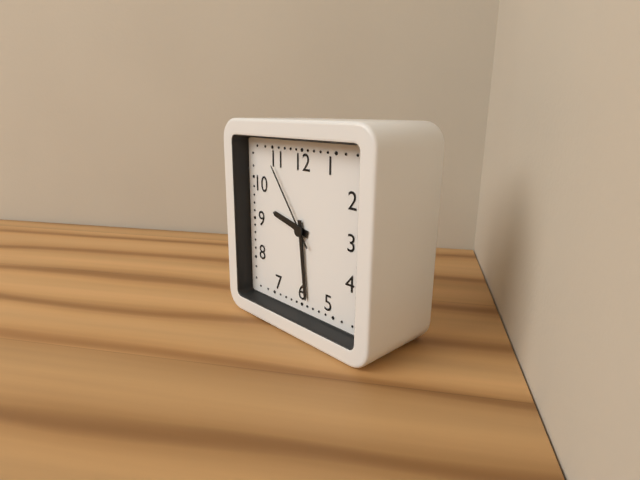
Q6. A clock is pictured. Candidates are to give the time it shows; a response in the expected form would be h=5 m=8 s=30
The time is h=9 m=29 s=54
